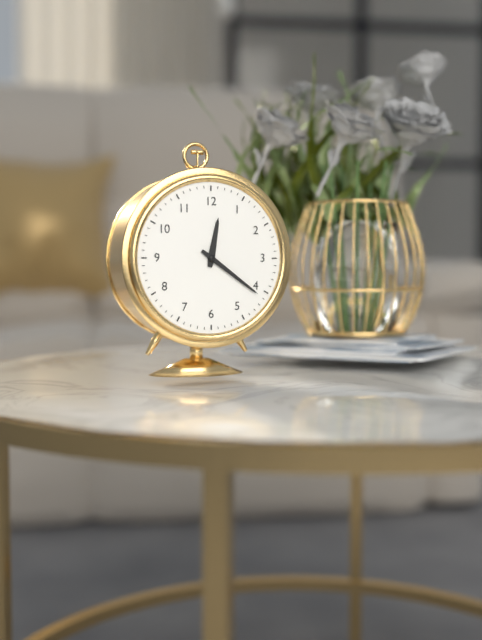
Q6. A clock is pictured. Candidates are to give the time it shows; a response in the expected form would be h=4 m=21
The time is h=12 m=21
